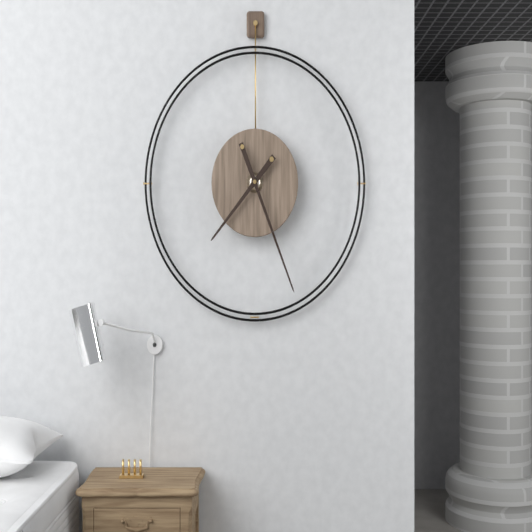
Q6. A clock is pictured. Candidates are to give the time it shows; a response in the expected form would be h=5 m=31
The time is h=7 m=26
